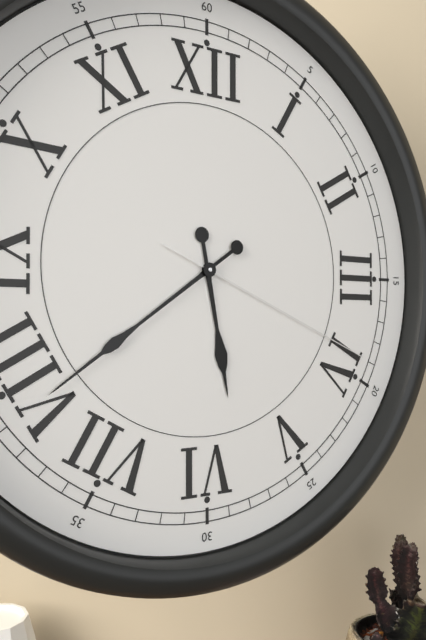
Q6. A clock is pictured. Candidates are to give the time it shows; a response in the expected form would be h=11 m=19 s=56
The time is h=5 m=39 s=19
